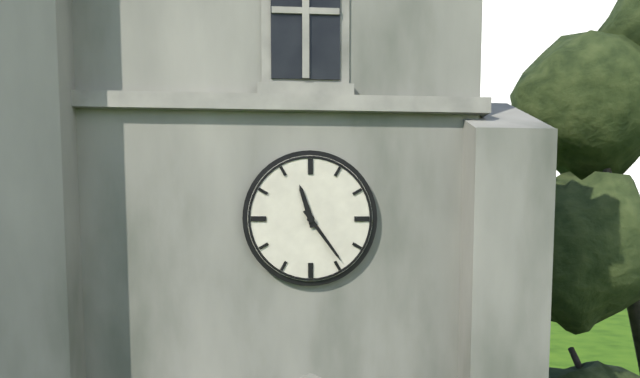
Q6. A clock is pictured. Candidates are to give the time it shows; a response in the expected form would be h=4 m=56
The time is h=11 m=24
